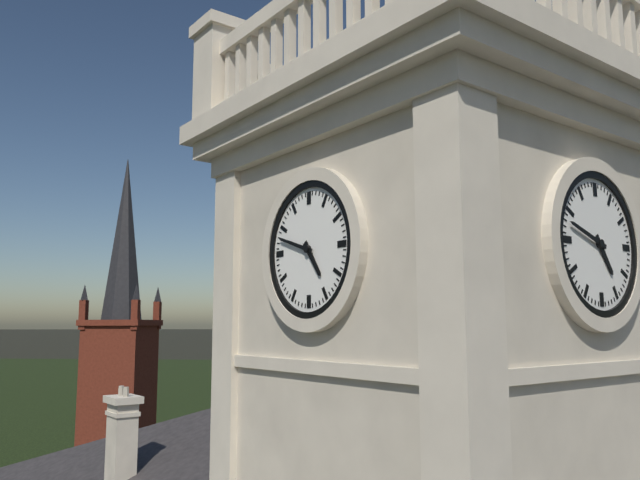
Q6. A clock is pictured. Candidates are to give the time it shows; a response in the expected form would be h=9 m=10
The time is h=4 m=48
